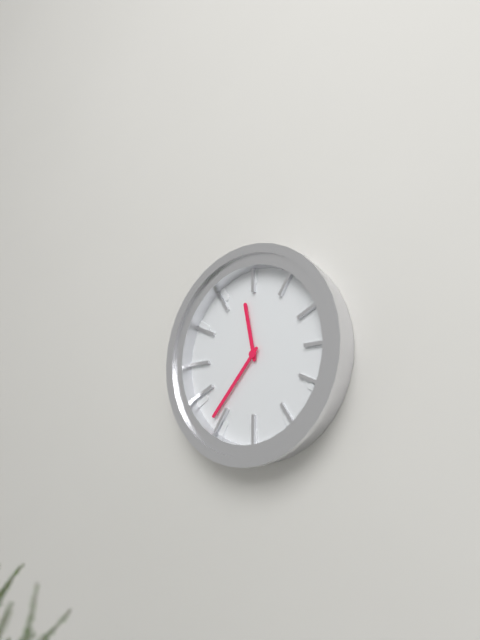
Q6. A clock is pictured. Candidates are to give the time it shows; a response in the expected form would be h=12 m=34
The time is h=11 m=37
